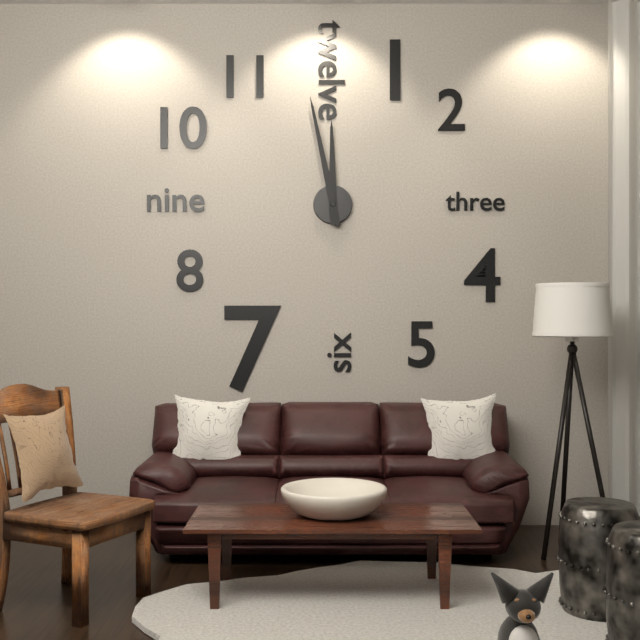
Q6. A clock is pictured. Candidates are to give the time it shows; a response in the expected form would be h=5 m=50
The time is h=11 m=58
